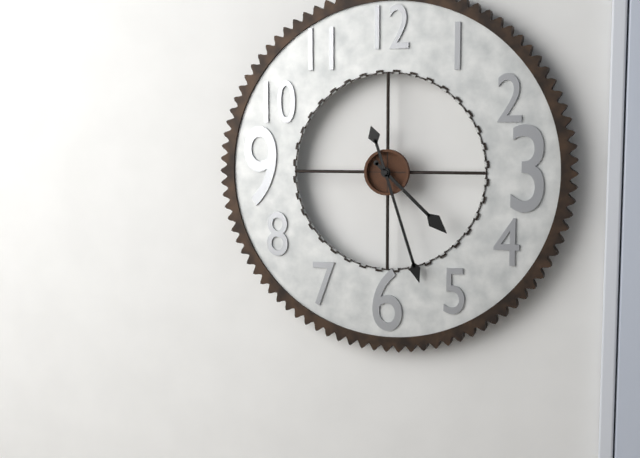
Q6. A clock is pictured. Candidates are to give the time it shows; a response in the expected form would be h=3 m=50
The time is h=4 m=27
